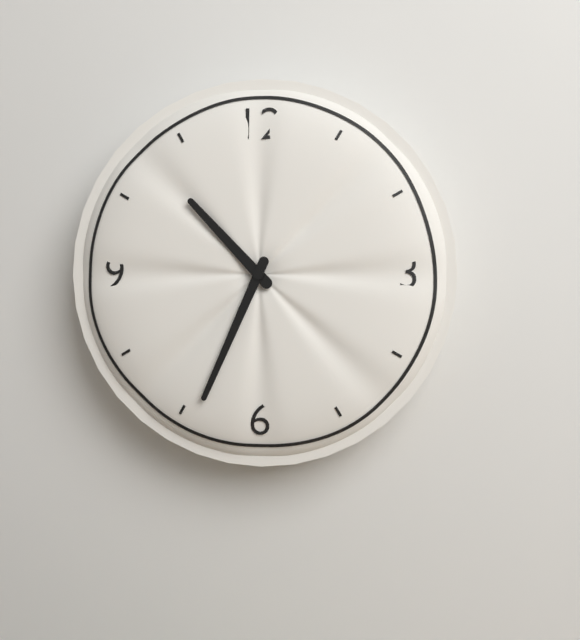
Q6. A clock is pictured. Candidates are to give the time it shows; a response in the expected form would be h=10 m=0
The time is h=10 m=34
